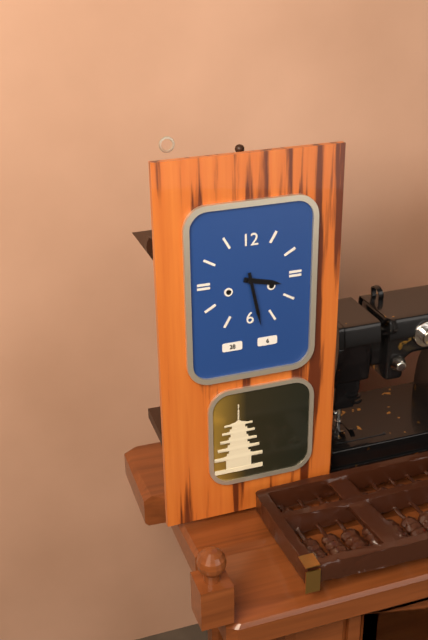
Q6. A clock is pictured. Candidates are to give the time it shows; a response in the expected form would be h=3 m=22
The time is h=3 m=28
